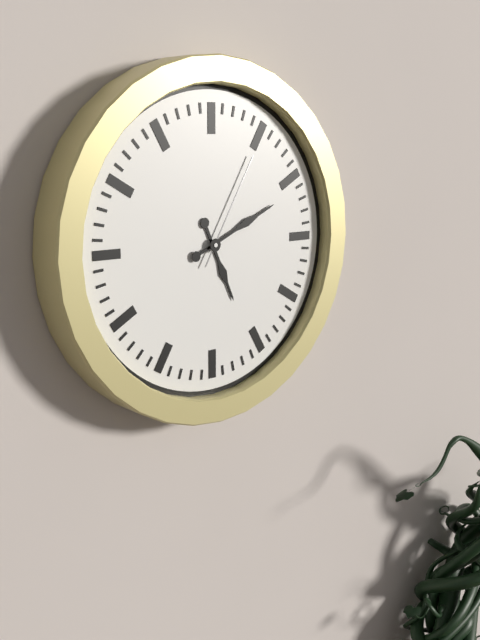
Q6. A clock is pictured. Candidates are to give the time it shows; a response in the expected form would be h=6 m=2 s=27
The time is h=5 m=11 s=5
